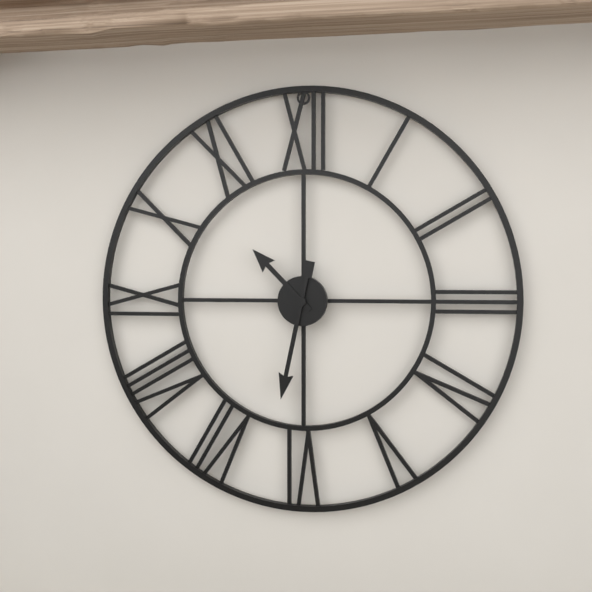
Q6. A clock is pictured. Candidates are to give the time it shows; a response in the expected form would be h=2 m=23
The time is h=10 m=32
